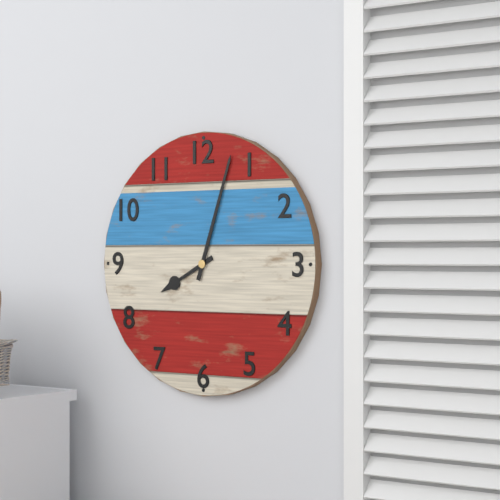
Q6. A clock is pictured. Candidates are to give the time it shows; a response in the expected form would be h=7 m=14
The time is h=8 m=3
